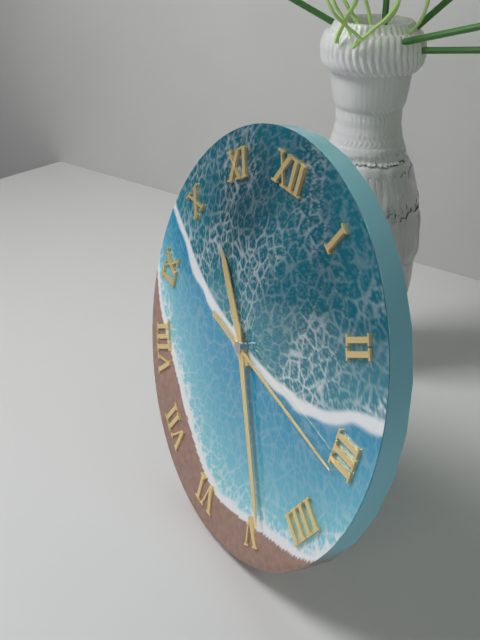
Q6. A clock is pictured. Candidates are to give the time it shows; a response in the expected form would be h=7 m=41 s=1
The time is h=10 m=24 s=16
